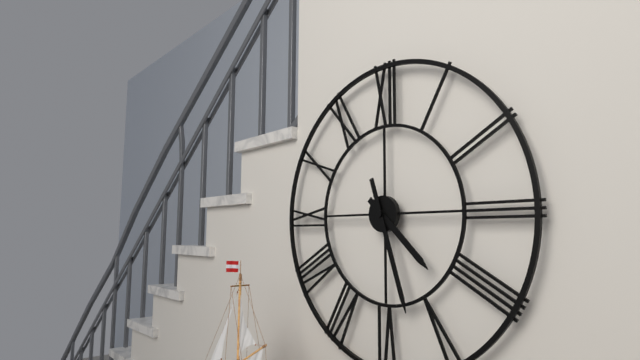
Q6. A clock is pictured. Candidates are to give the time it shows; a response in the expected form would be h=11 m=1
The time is h=4 m=27
